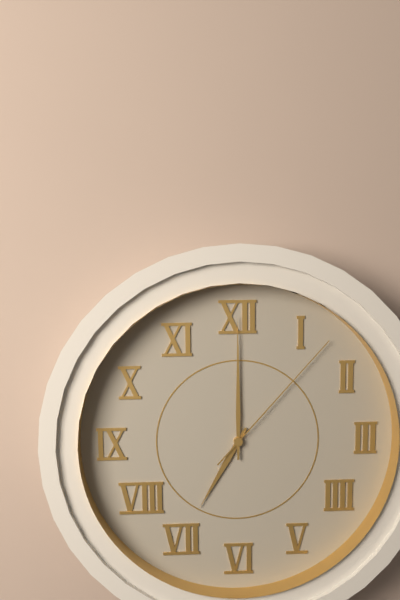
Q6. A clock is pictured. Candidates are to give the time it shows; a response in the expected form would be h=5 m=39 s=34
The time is h=7 m=0 s=7
